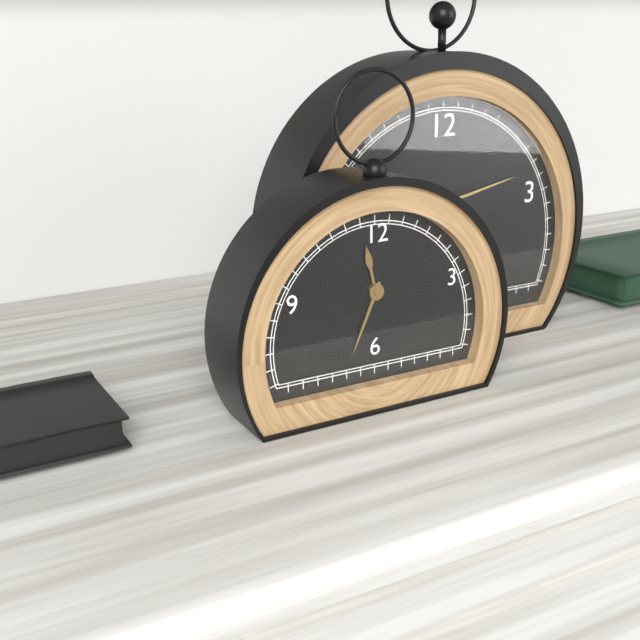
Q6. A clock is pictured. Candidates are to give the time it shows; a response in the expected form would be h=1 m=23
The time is h=11 m=34
